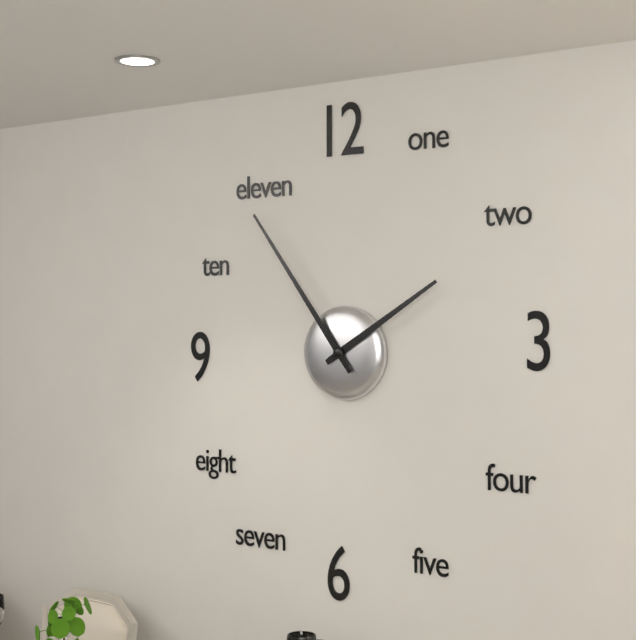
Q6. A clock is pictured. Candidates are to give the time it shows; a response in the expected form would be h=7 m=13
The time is h=1 m=54
